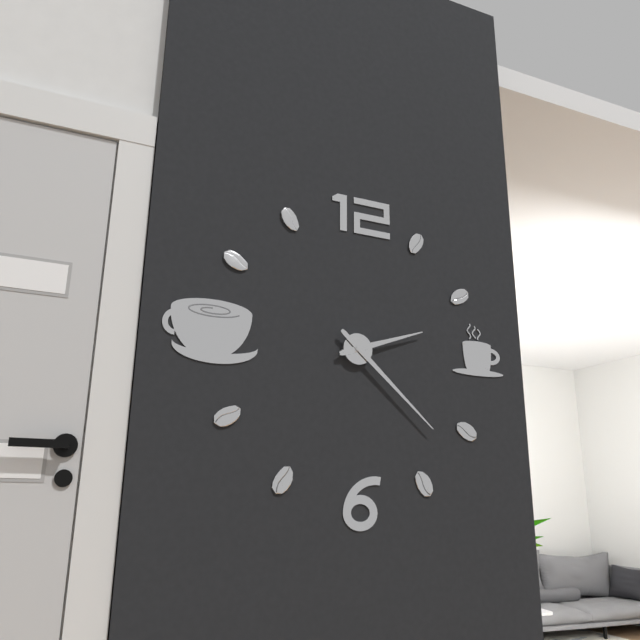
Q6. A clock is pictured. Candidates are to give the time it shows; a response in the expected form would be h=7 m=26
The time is h=2 m=22
